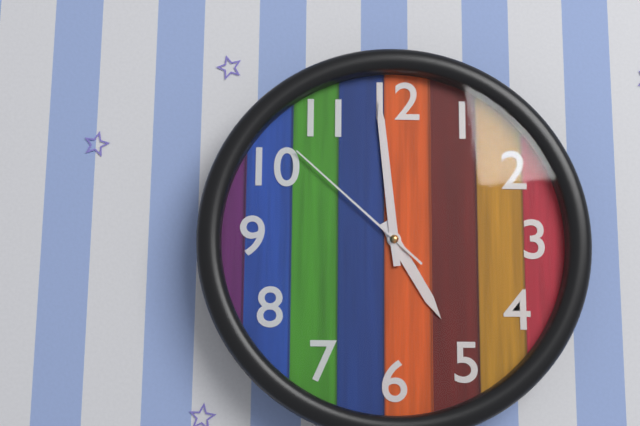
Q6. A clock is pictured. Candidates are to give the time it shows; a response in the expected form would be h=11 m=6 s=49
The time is h=4 m=59 s=52
